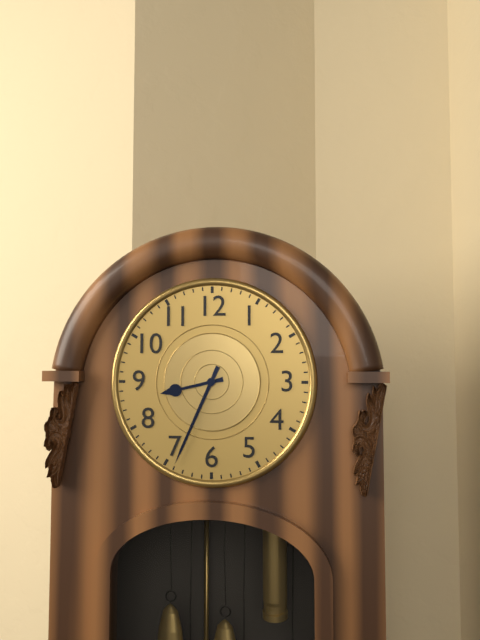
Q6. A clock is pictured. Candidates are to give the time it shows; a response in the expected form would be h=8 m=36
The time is h=8 m=34
